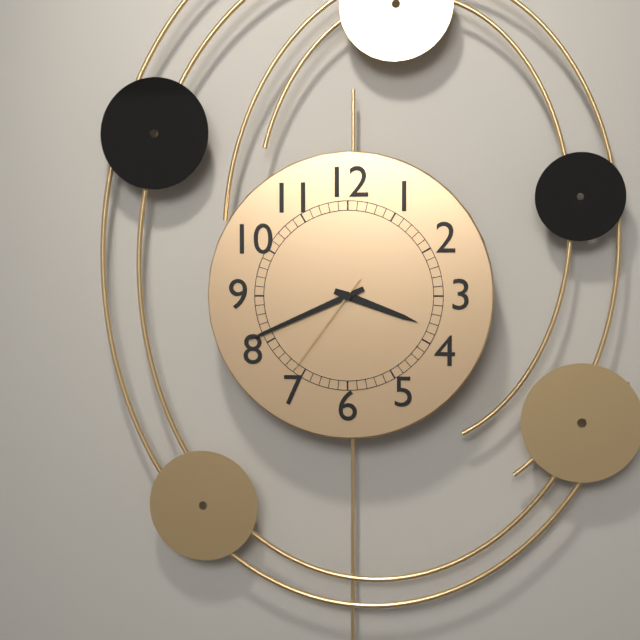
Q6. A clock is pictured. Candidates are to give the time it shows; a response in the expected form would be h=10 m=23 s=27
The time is h=3 m=41 s=36
